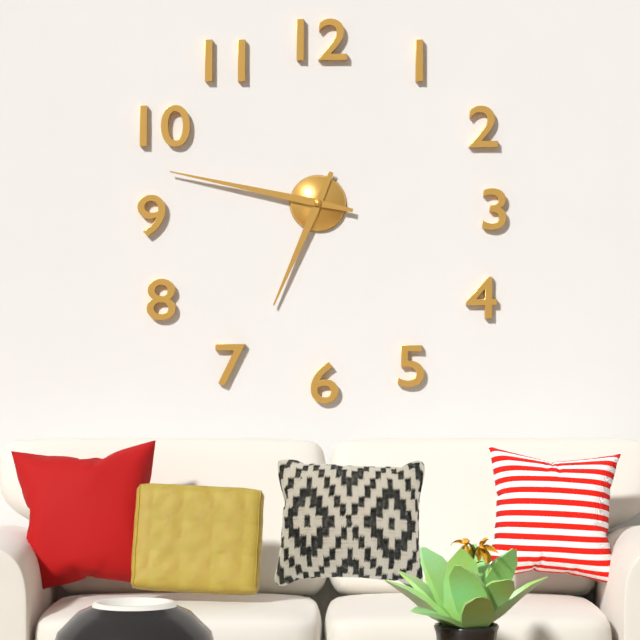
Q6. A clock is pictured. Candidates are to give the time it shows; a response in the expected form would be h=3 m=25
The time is h=6 m=47
